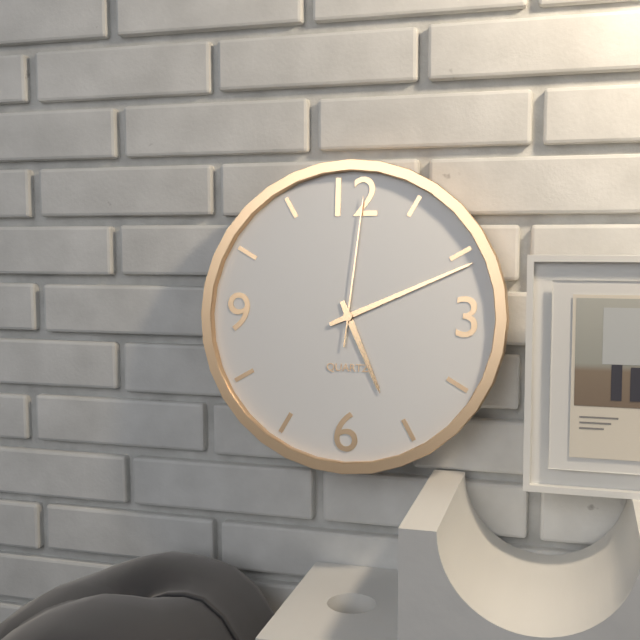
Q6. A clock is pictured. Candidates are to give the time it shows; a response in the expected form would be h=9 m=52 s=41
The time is h=5 m=11 s=1
